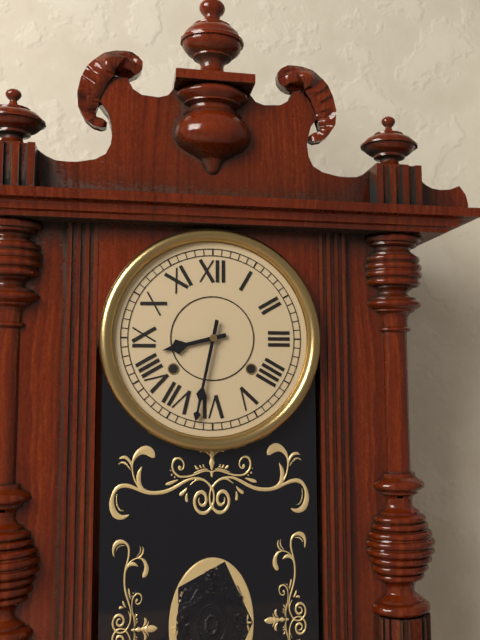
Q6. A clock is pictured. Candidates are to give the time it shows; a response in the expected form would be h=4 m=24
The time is h=8 m=32
